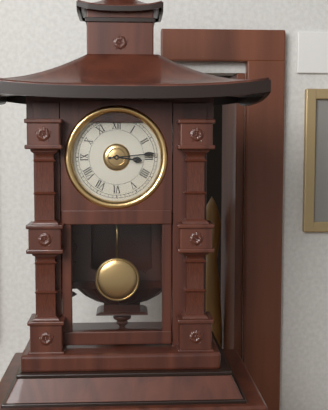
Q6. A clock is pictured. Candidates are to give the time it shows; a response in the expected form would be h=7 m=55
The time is h=3 m=14
